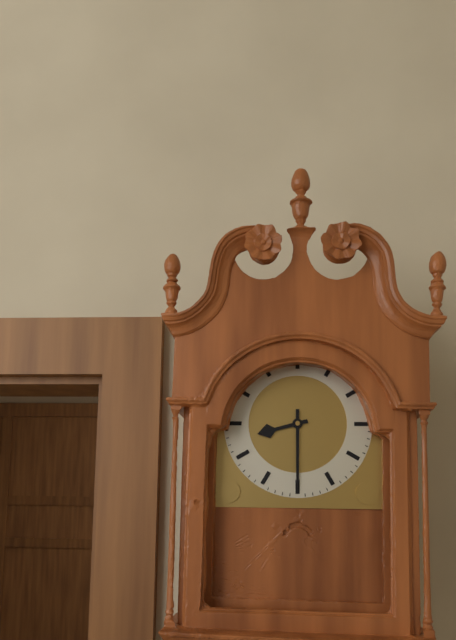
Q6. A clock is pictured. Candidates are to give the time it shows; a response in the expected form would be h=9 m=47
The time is h=8 m=30
